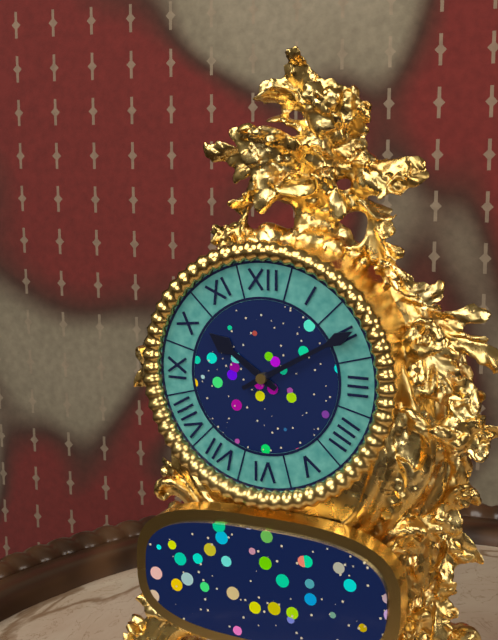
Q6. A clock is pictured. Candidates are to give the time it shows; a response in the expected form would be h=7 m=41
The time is h=10 m=10
